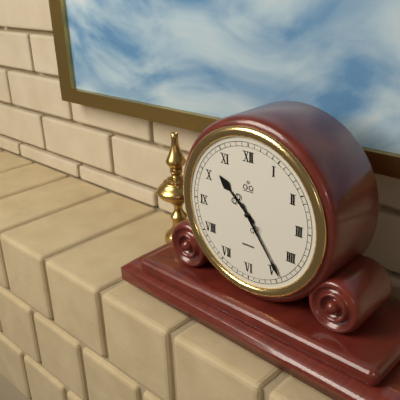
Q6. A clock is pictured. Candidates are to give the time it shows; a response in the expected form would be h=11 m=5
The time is h=10 m=24
